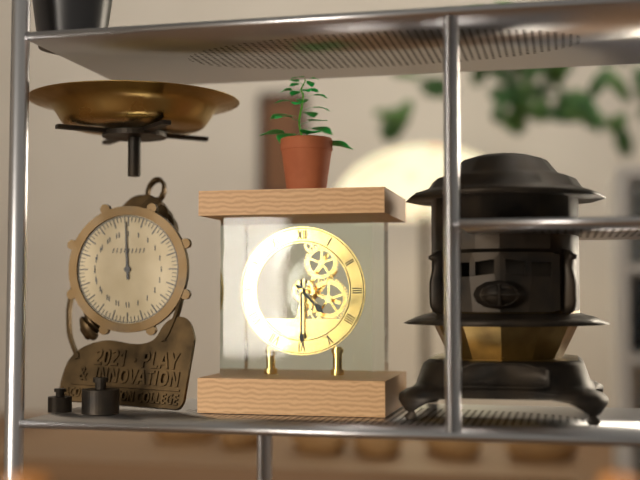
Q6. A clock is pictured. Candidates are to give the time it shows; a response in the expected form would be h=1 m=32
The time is h=4 m=30
